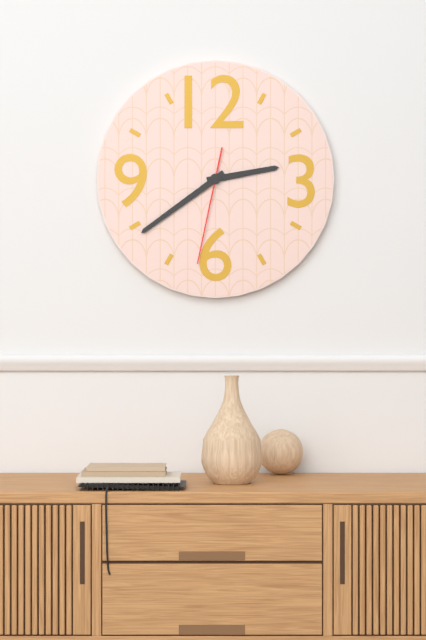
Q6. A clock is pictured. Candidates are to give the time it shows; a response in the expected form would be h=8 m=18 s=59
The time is h=2 m=39 s=32
